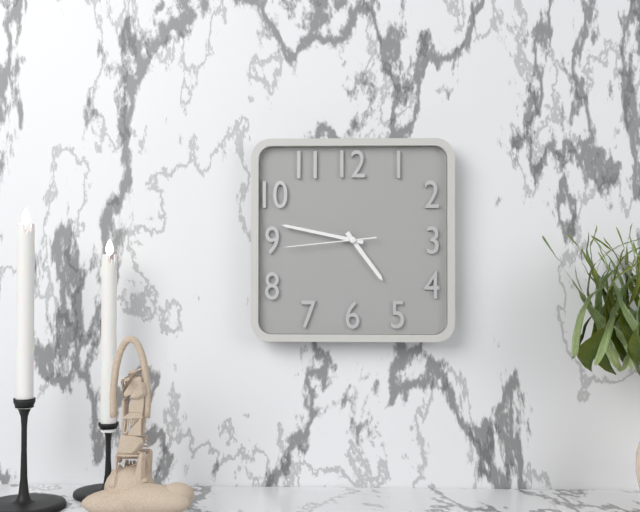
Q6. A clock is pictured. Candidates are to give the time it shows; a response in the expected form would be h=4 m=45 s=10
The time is h=4 m=47 s=44
